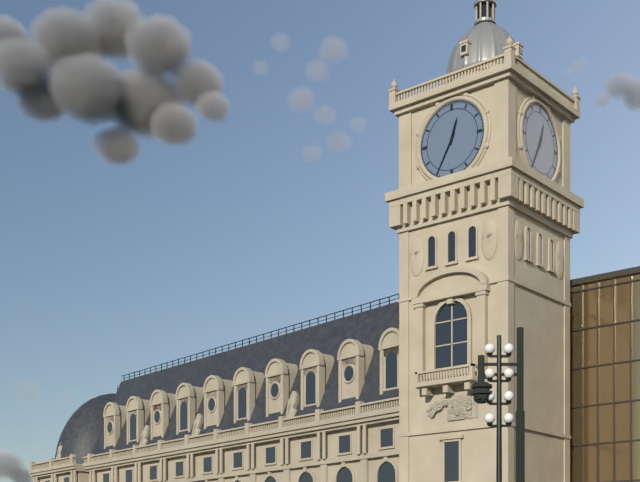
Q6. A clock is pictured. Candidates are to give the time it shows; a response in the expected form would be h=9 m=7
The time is h=12 m=35
